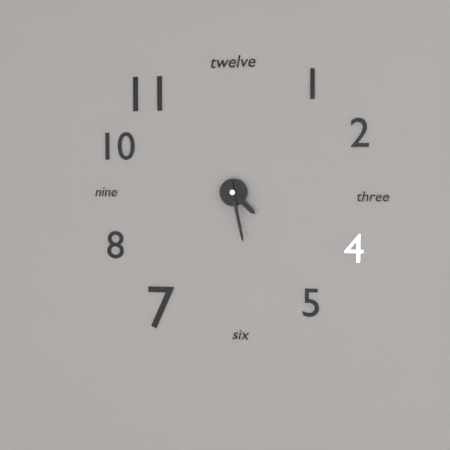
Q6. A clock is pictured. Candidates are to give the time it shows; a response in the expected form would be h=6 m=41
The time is h=4 m=28
